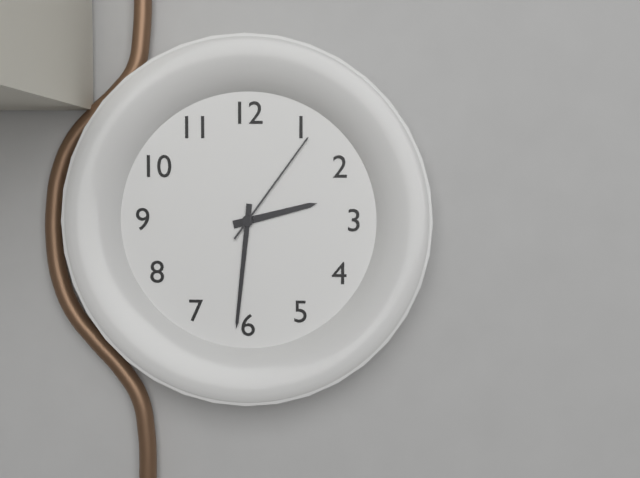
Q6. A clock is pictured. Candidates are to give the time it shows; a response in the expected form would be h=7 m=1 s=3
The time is h=2 m=31 s=6
